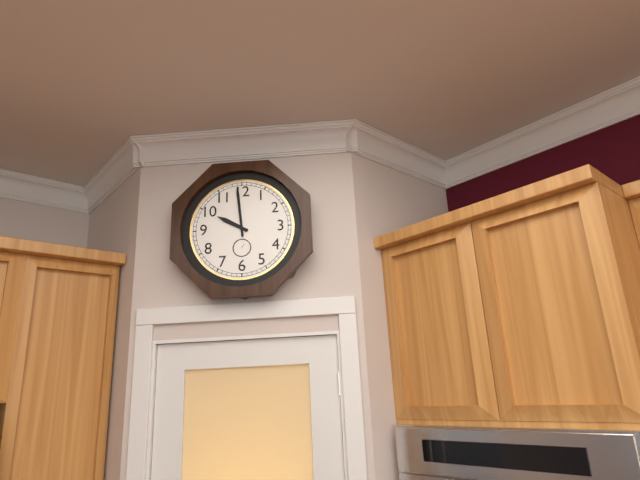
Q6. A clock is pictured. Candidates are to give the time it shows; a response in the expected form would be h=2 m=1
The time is h=9 m=59
